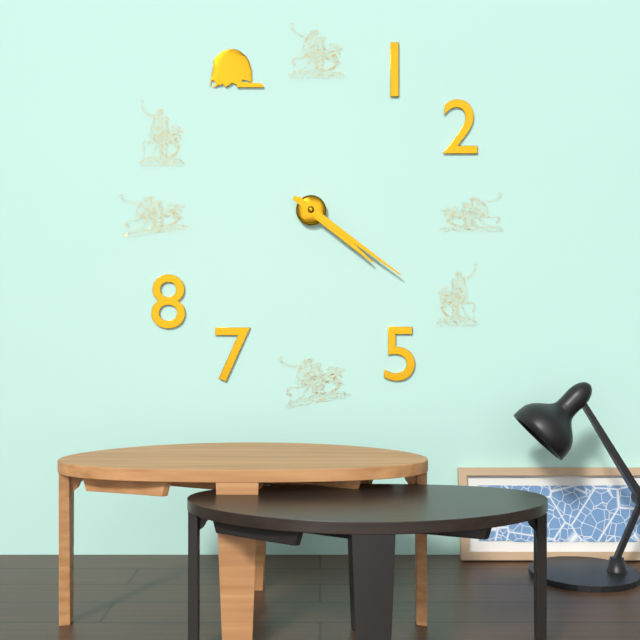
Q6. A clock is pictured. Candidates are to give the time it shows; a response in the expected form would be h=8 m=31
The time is h=4 m=21
